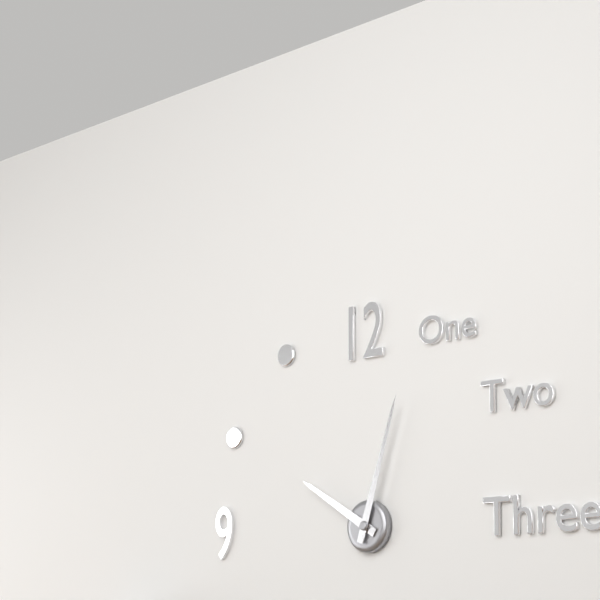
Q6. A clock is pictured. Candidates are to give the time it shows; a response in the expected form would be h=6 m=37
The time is h=10 m=3
